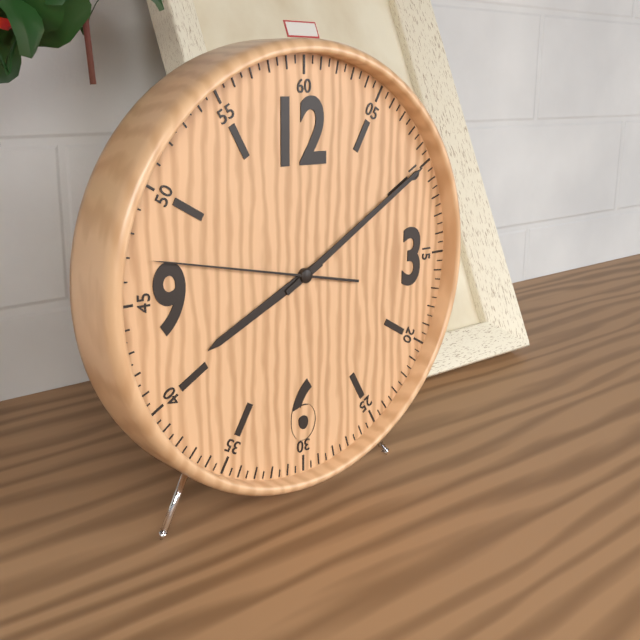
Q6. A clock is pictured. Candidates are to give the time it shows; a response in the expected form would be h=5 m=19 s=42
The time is h=8 m=10 s=47
